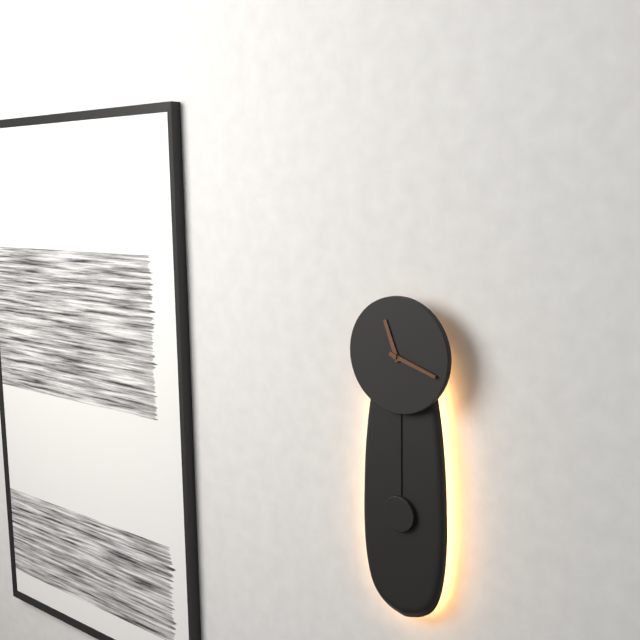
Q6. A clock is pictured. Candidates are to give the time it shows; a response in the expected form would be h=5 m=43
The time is h=11 m=18
